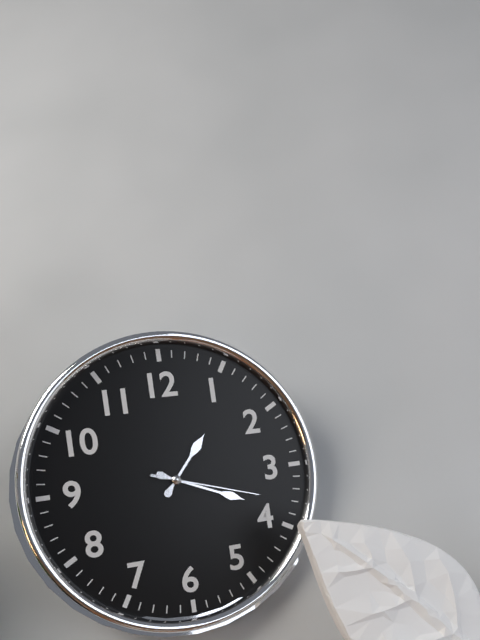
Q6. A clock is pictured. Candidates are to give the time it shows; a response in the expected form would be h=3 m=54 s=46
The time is h=1 m=19 s=18
